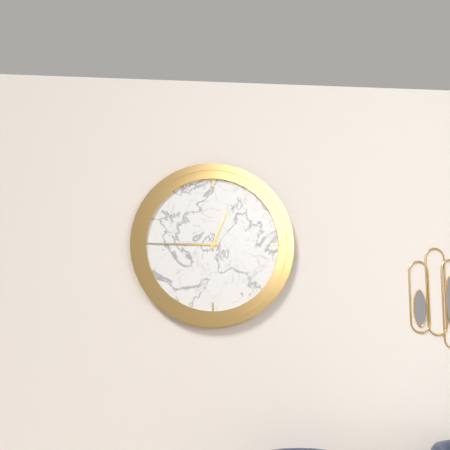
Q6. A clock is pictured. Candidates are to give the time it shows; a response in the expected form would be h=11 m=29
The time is h=12 m=45
